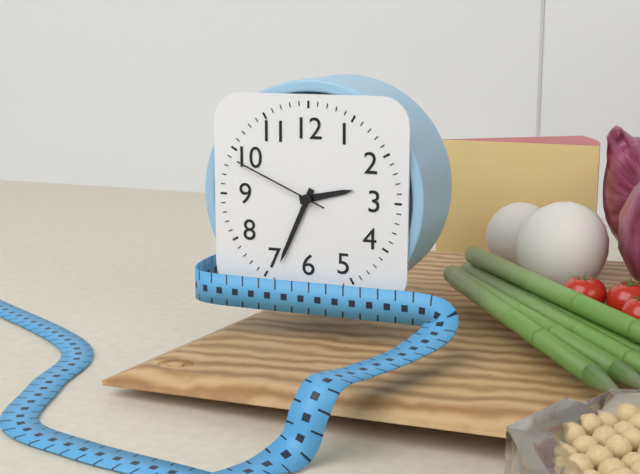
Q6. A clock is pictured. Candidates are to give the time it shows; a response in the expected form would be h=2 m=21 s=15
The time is h=2 m=34 s=49
